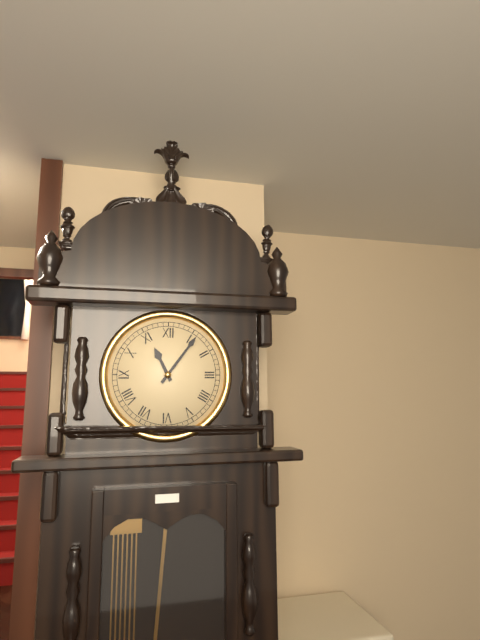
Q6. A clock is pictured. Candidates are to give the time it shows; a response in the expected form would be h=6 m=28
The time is h=11 m=6
